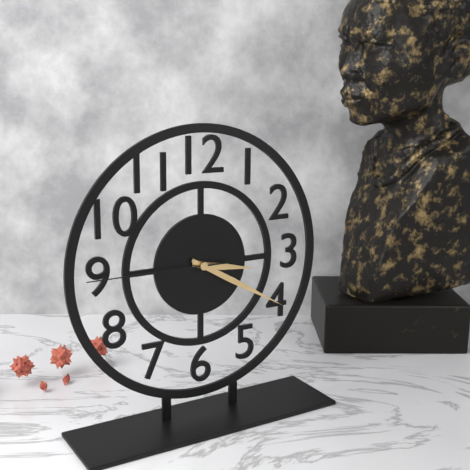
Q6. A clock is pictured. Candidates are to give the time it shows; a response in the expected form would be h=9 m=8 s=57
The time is h=3 m=20 s=45
